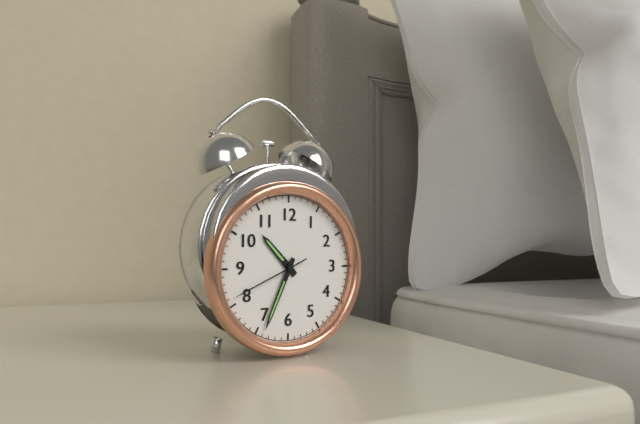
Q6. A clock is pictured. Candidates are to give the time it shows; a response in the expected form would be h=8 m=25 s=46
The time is h=10 m=34 s=41
